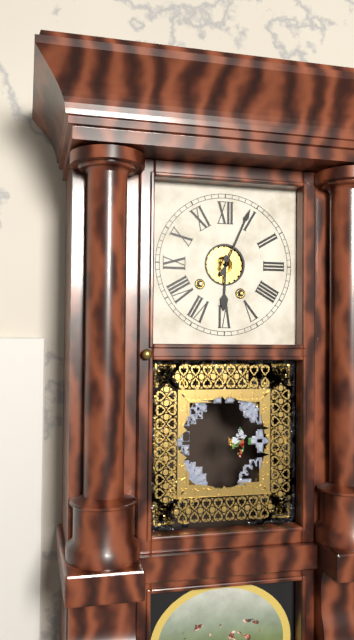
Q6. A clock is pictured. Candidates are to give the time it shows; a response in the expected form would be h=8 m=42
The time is h=6 m=4
